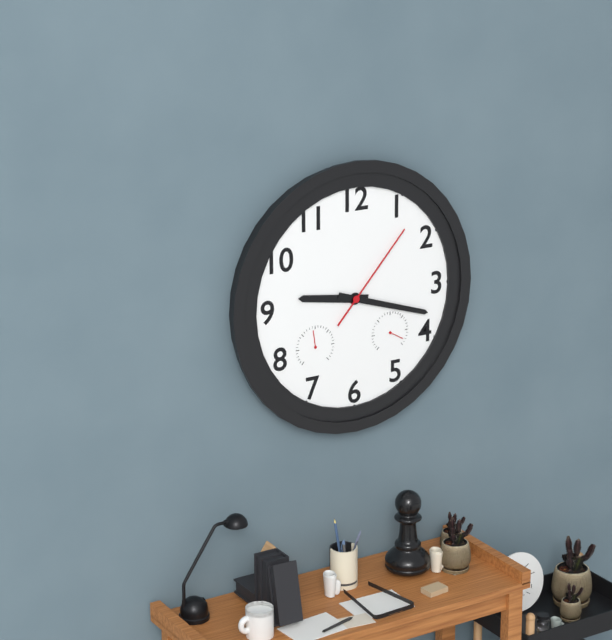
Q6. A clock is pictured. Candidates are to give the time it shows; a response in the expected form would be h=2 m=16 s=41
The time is h=9 m=18 s=7
